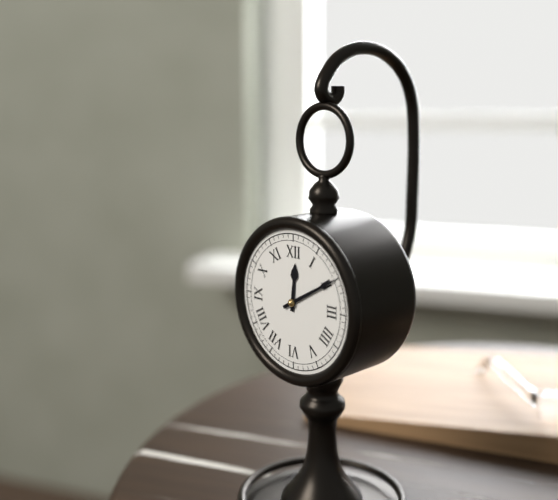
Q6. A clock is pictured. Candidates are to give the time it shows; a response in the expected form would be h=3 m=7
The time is h=12 m=10
